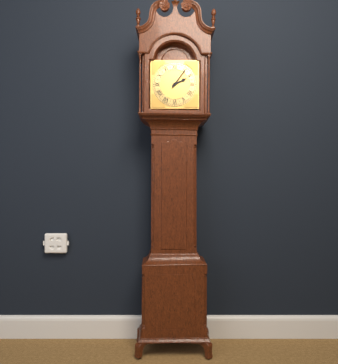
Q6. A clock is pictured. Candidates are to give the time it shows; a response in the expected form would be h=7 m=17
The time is h=2 m=6
